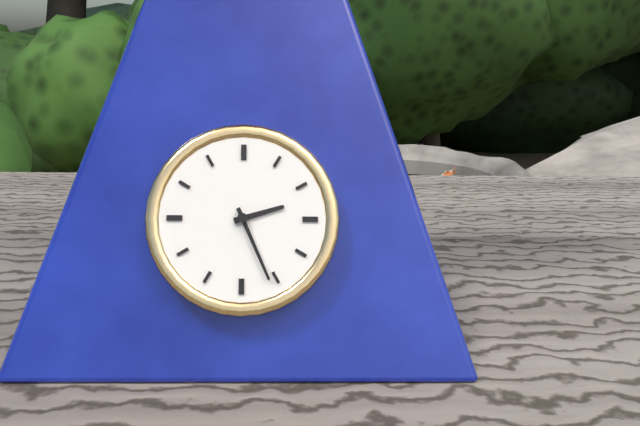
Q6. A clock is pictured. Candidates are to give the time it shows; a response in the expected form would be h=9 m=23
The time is h=2 m=26
